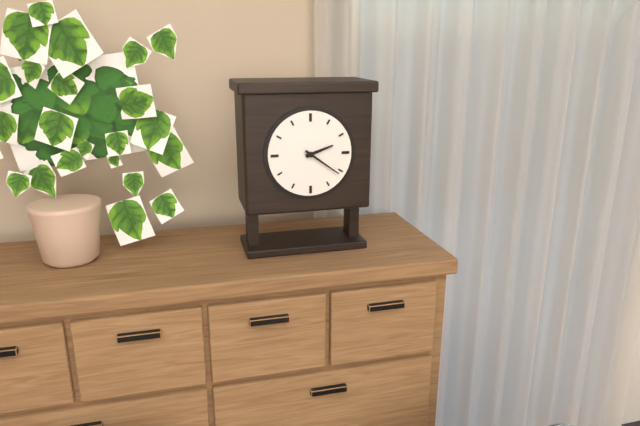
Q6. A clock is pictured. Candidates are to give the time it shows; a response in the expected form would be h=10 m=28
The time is h=2 m=21
